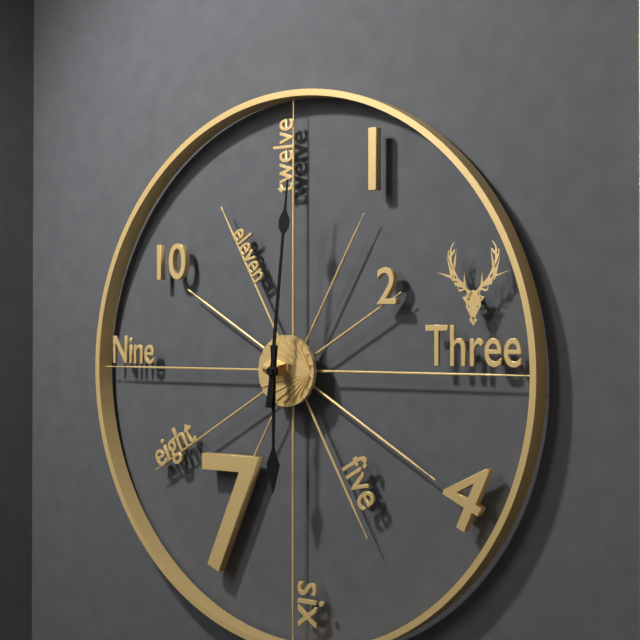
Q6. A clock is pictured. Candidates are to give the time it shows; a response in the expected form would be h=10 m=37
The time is h=6 m=1
